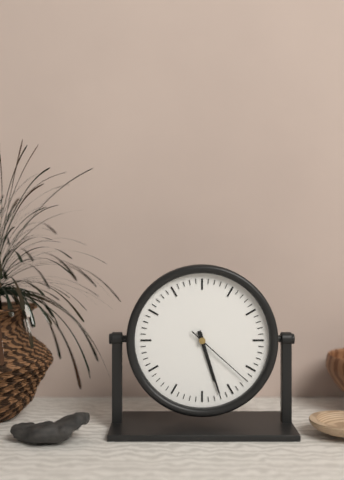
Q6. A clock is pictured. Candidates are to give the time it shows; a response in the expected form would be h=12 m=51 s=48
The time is h=5 m=27 s=22
